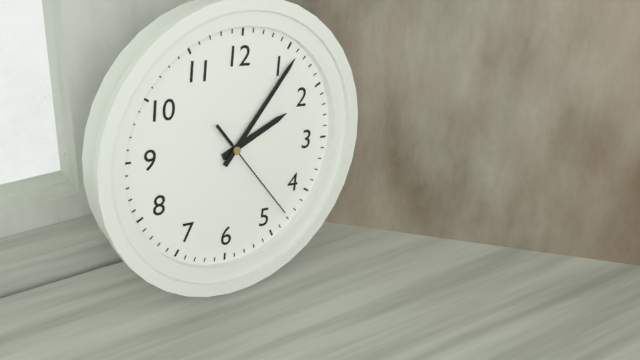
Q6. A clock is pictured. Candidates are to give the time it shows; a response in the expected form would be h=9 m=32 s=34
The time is h=2 m=6 s=23
